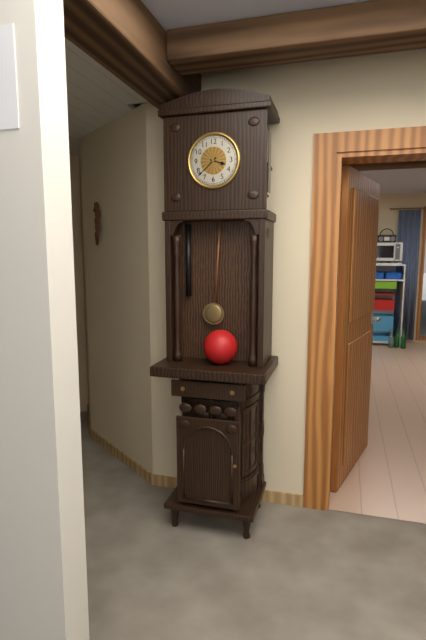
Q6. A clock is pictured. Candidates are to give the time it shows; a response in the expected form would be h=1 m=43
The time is h=3 m=38
